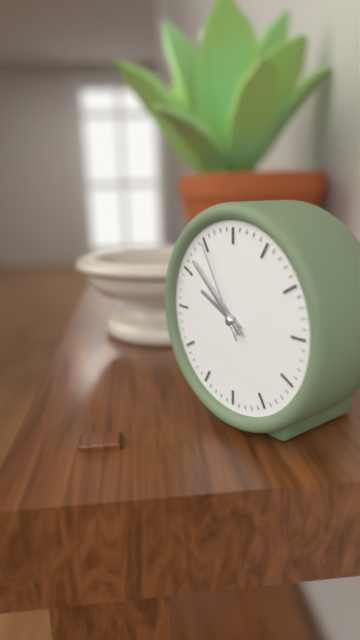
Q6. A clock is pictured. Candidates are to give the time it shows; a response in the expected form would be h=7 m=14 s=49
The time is h=9 m=52 s=55
